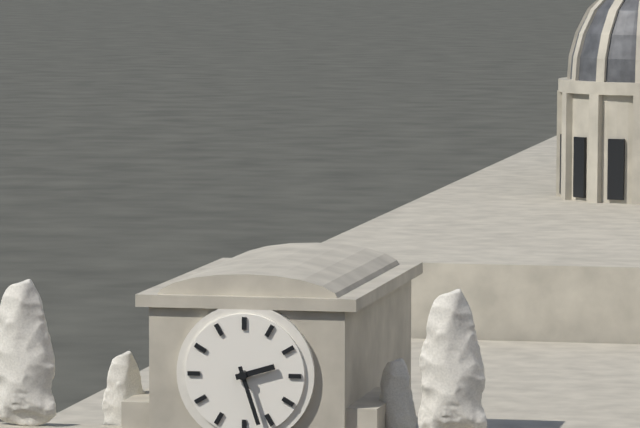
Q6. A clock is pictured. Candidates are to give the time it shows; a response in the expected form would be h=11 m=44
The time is h=2 m=27
